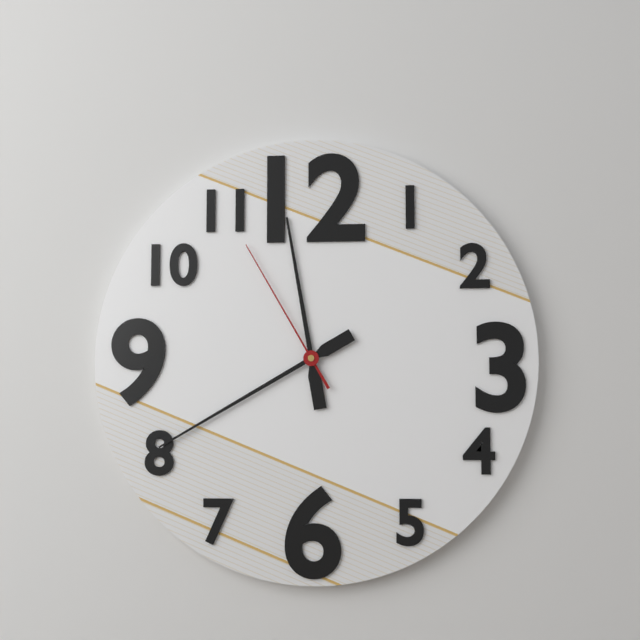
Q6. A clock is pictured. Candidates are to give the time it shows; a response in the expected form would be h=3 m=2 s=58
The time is h=11 m=40 s=55
